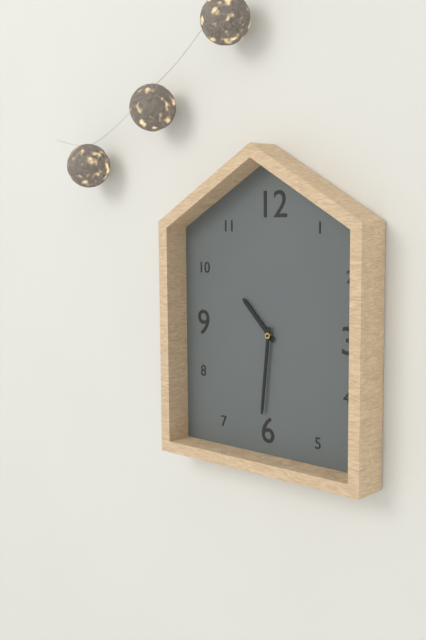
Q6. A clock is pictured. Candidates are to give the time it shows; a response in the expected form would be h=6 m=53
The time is h=10 m=31
